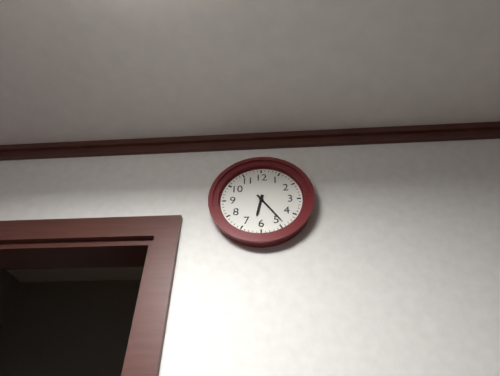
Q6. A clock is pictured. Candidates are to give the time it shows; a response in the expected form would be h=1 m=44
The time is h=6 m=24
